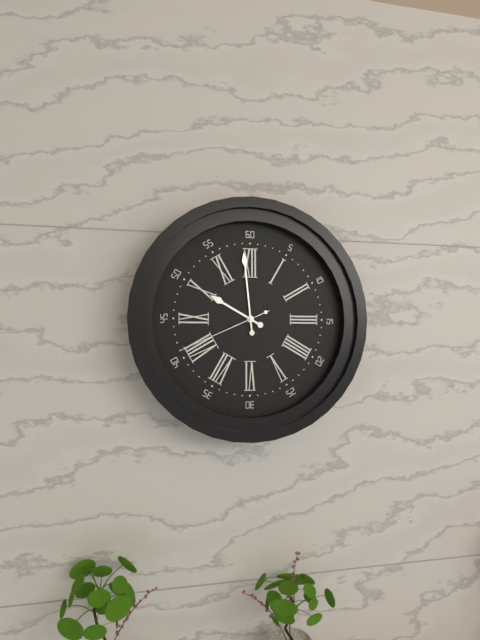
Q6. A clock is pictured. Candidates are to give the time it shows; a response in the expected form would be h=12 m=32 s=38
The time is h=9 m=59 s=41
